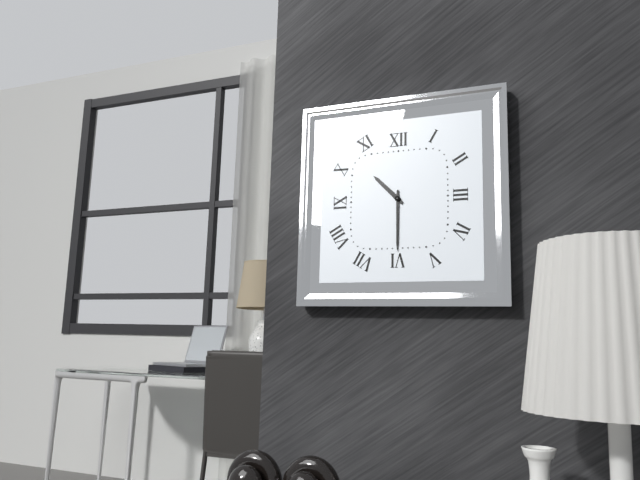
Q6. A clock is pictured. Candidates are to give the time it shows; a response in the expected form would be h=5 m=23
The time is h=10 m=30
